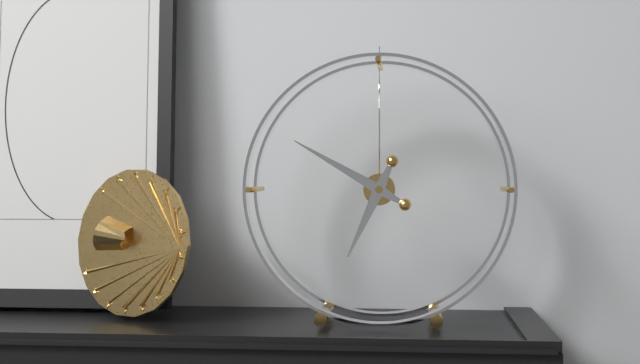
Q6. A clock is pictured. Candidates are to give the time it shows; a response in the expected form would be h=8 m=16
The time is h=6 m=50
